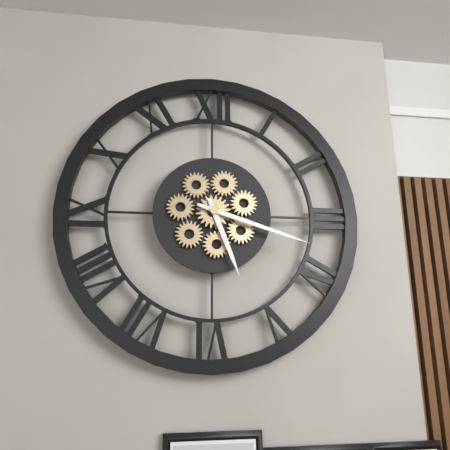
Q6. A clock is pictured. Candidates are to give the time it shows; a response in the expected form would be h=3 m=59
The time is h=5 m=18
